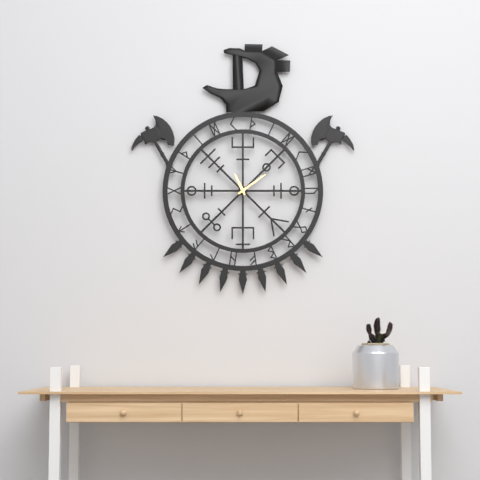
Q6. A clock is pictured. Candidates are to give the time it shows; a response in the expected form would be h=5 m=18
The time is h=11 m=9
